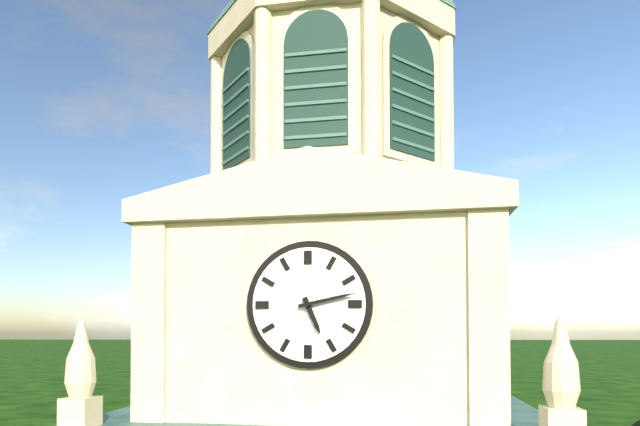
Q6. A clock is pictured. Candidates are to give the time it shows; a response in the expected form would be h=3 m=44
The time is h=5 m=13
